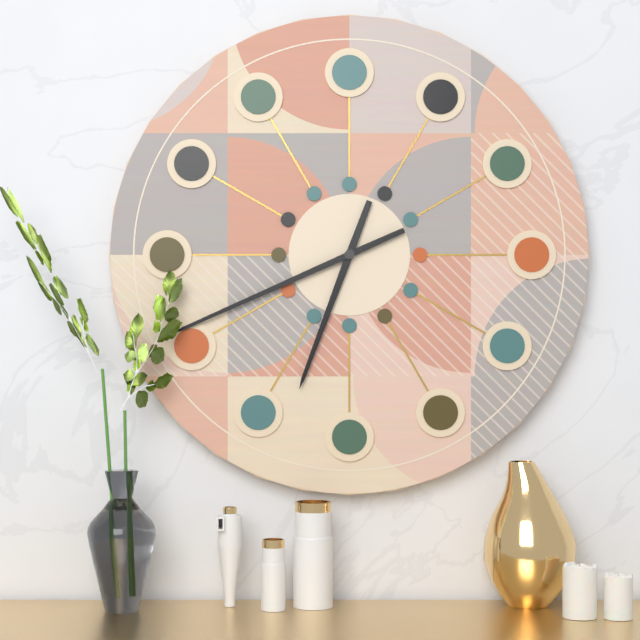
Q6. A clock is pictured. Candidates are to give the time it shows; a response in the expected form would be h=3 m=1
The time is h=6 m=41
